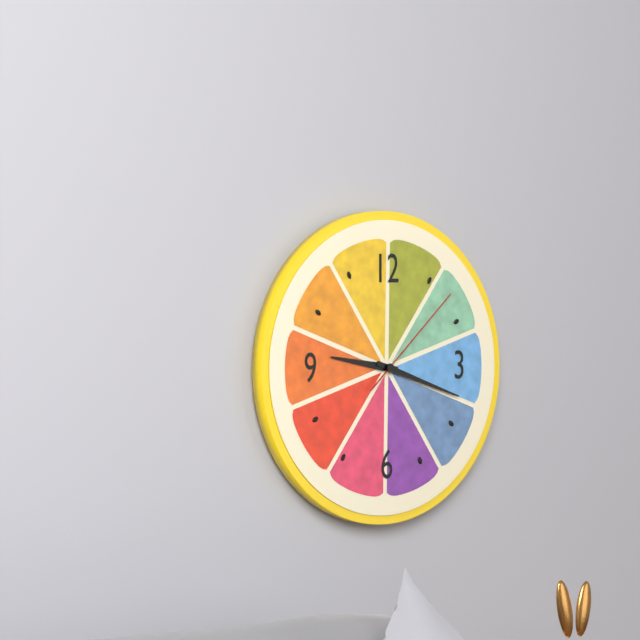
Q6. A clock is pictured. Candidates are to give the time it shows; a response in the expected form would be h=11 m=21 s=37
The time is h=9 m=18 s=8
